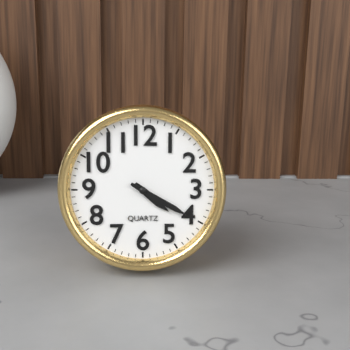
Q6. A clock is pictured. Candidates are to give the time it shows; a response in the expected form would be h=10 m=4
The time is h=4 m=20
